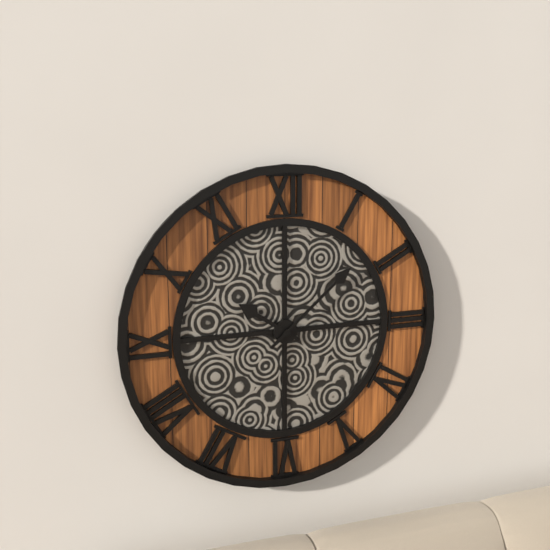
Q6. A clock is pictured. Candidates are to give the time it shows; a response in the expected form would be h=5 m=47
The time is h=10 m=8
